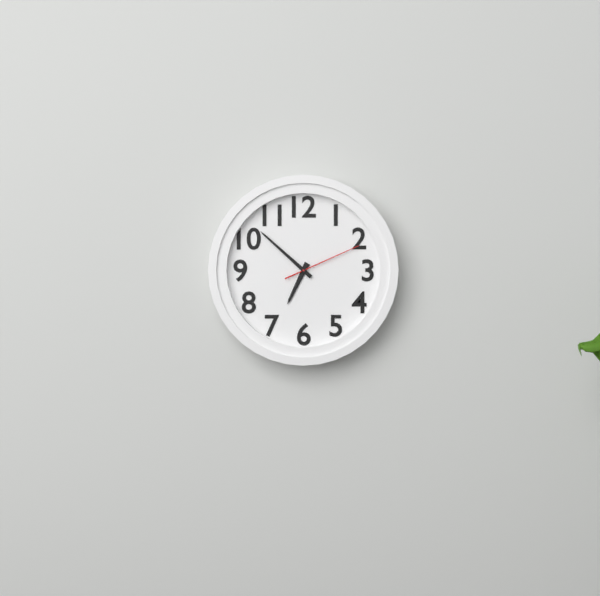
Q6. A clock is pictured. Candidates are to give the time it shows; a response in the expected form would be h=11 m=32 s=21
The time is h=6 m=52 s=11
